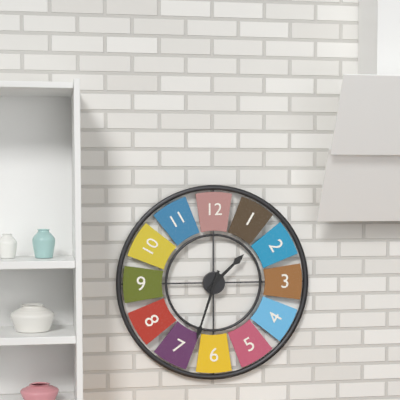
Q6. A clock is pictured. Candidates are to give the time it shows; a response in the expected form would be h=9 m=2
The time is h=1 m=33
